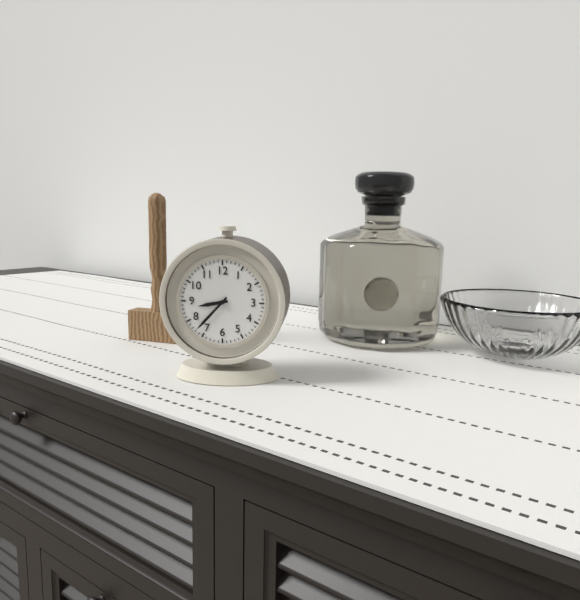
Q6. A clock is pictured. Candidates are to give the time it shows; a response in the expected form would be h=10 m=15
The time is h=8 m=37
